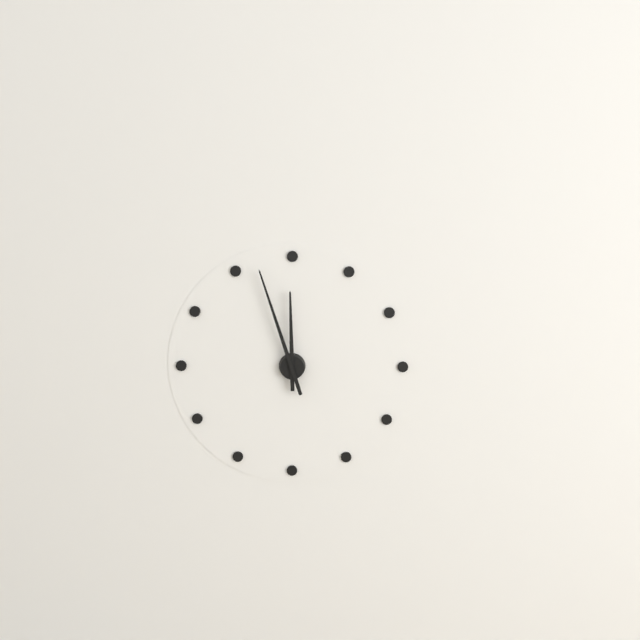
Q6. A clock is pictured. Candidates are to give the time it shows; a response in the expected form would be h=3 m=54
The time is h=11 m=57
